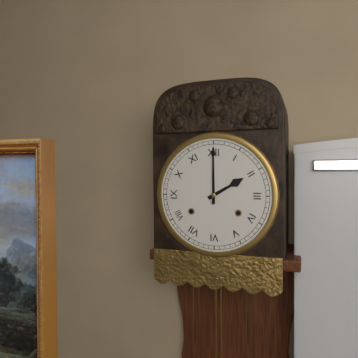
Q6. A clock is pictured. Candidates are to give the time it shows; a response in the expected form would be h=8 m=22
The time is h=2 m=0
